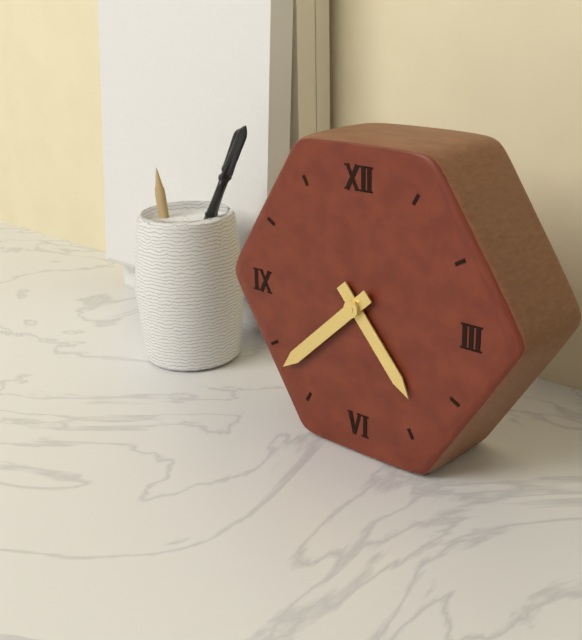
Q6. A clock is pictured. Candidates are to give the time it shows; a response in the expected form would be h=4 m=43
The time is h=4 m=38
